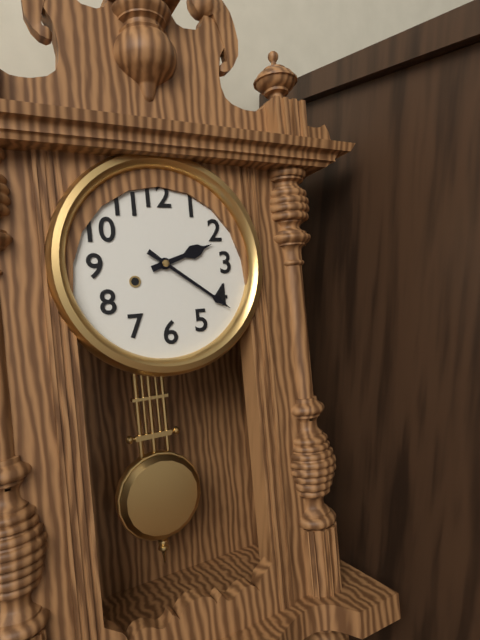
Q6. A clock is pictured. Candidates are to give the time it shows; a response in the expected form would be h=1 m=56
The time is h=2 m=21
